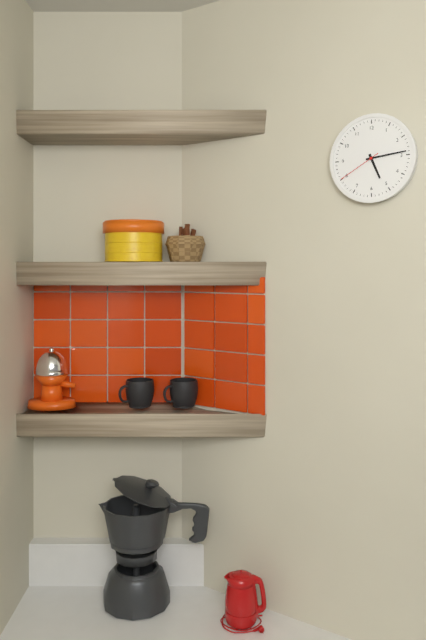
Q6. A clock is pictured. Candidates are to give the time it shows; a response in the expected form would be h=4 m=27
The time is h=5 m=14
